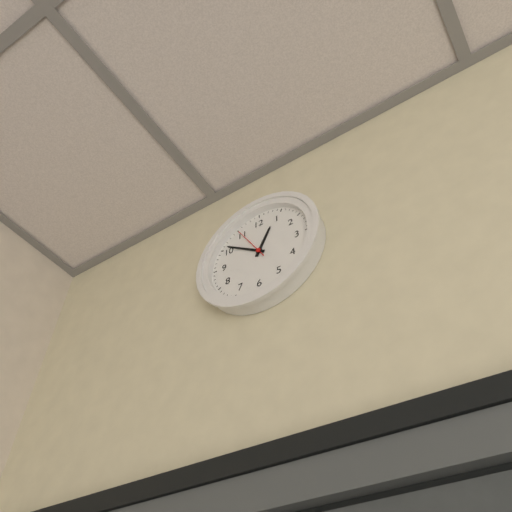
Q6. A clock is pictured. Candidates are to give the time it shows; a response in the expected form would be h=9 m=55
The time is h=12 m=51
